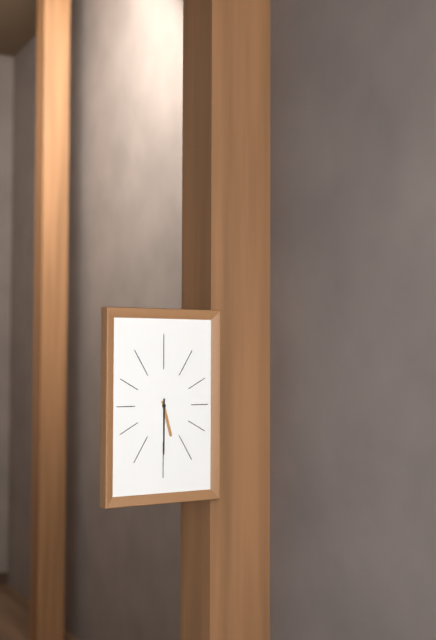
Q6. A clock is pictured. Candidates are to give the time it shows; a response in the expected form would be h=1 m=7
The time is h=5 m=30
